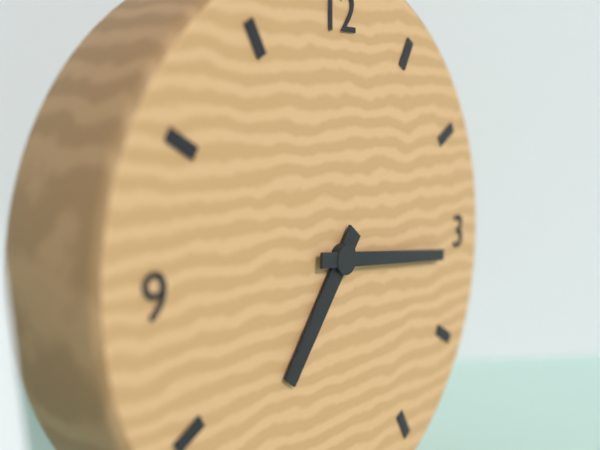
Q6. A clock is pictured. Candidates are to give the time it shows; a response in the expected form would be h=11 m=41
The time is h=7 m=16
